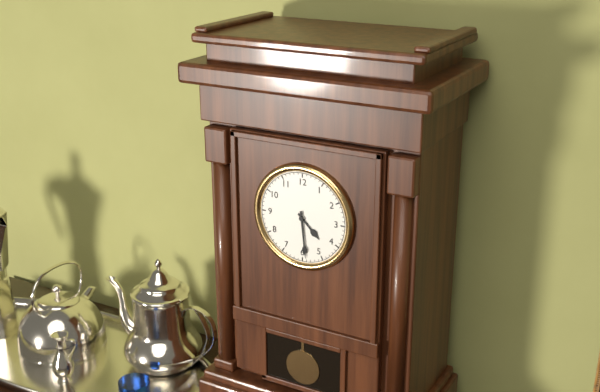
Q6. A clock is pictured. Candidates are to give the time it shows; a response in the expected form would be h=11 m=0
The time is h=4 m=29
